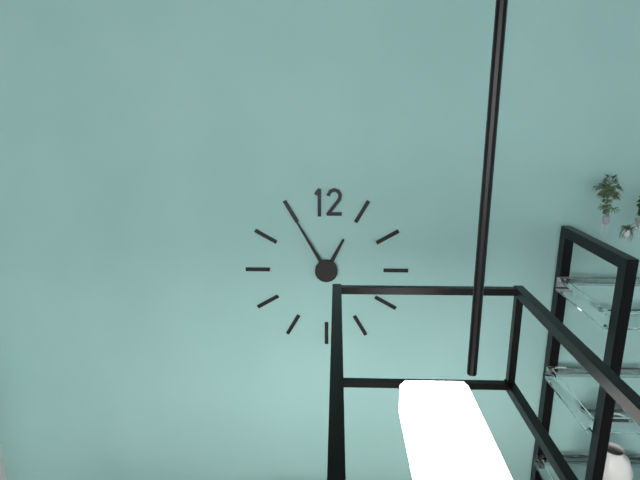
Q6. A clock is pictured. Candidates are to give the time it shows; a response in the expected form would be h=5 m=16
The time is h=12 m=55
